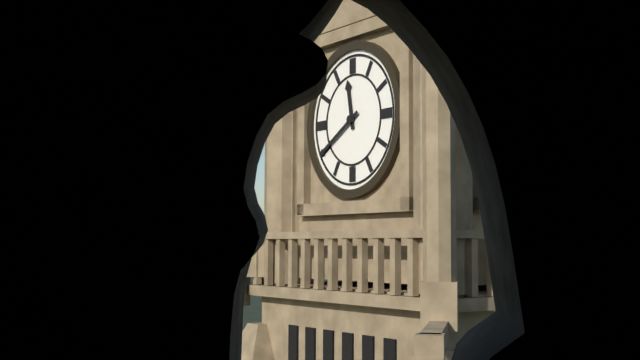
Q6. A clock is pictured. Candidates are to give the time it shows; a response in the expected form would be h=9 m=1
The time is h=11 m=40
